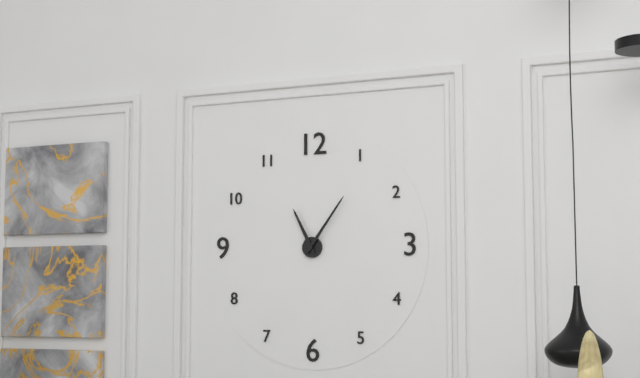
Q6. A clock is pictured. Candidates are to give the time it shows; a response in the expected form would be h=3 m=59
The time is h=11 m=6
